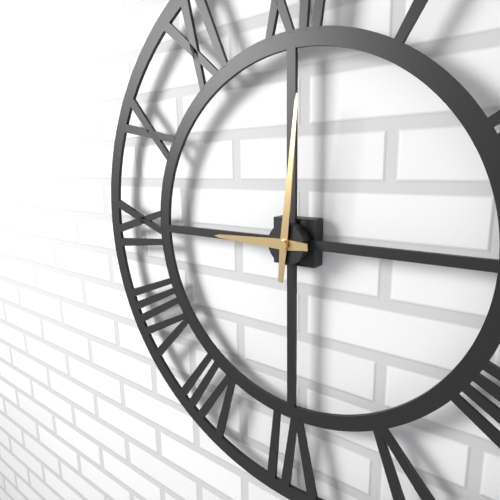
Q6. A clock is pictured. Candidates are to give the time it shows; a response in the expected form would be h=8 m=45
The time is h=9 m=1
